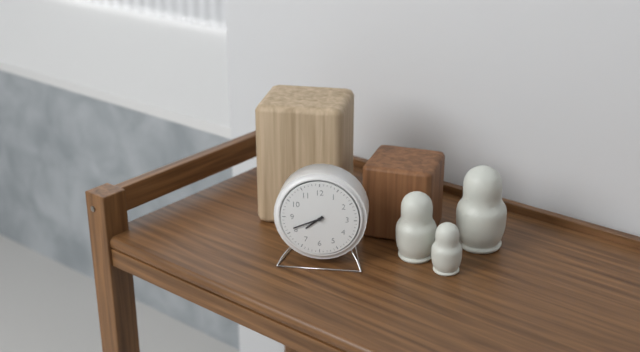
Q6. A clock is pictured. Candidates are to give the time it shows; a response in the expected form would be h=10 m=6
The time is h=7 m=41
